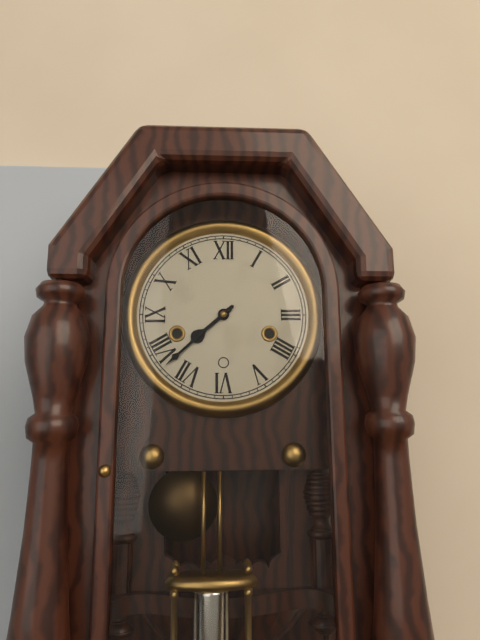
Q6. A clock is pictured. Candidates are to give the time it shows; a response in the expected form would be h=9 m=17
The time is h=7 m=38
